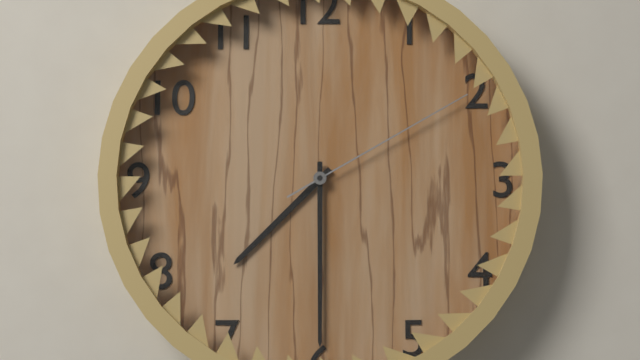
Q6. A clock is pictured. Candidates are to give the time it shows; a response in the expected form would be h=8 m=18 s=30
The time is h=7 m=30 s=10
